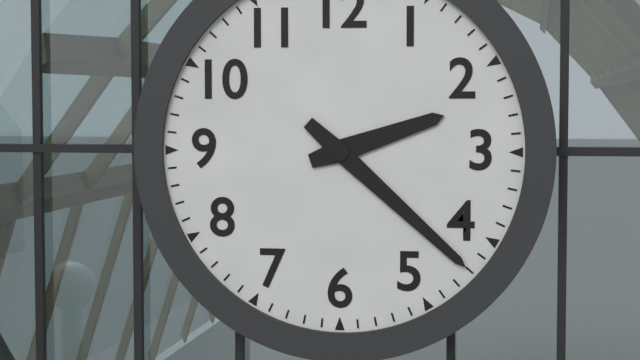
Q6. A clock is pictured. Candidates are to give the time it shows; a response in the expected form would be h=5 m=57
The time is h=2 m=22
